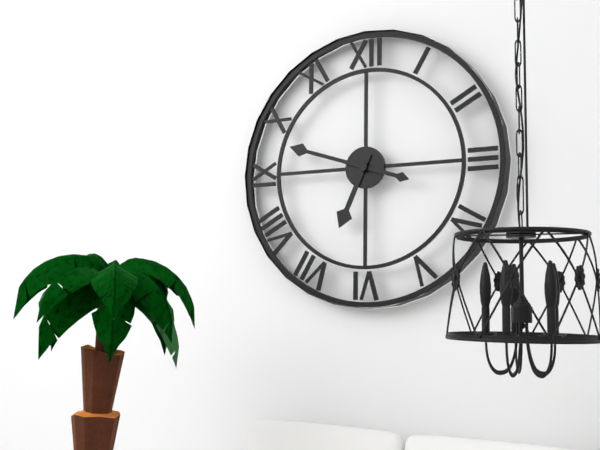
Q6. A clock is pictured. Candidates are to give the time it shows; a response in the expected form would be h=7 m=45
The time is h=6 m=48
